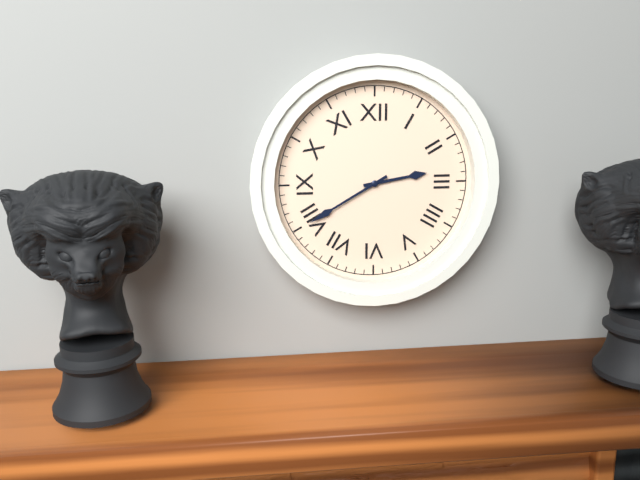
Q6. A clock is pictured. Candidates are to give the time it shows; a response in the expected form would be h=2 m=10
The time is h=2 m=40
